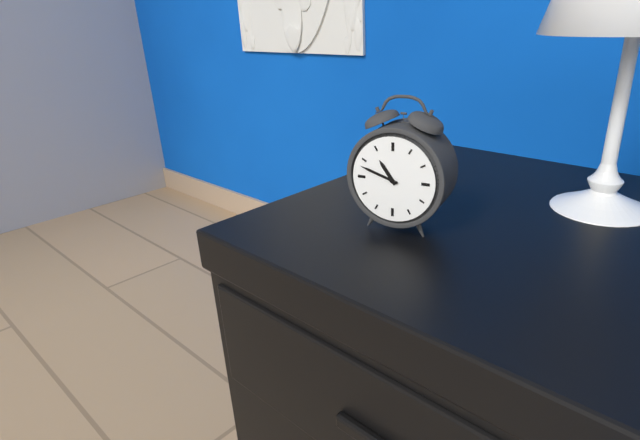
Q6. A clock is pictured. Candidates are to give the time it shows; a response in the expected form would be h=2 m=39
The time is h=10 m=48
